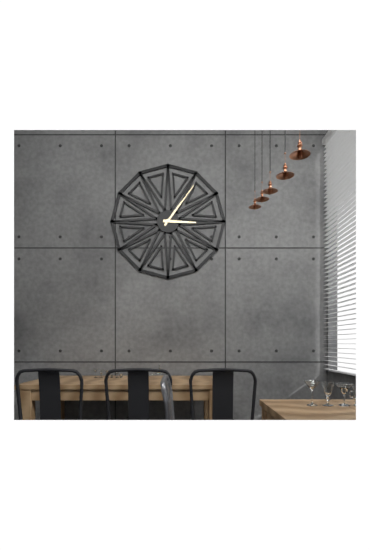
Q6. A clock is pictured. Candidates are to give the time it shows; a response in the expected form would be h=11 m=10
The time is h=3 m=6
